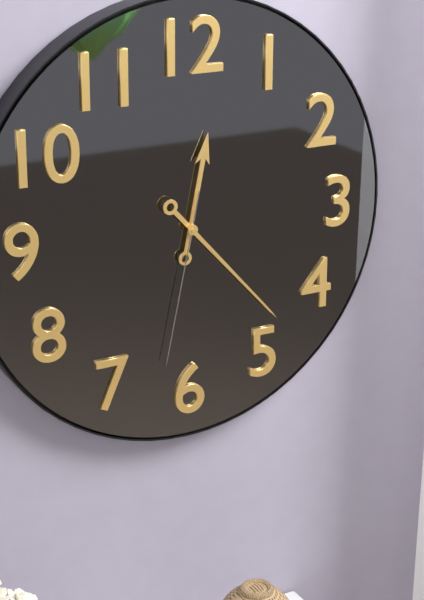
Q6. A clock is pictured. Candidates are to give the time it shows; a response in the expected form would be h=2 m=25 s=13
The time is h=12 m=23 s=32
